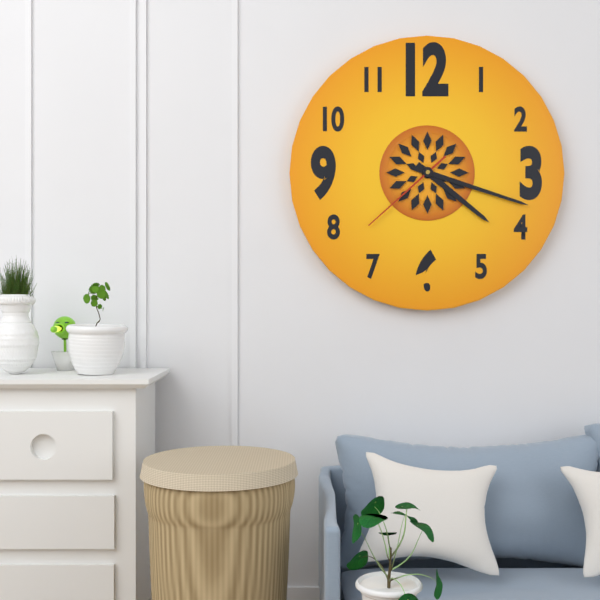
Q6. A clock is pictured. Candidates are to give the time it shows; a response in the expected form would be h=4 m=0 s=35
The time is h=4 m=18 s=38
